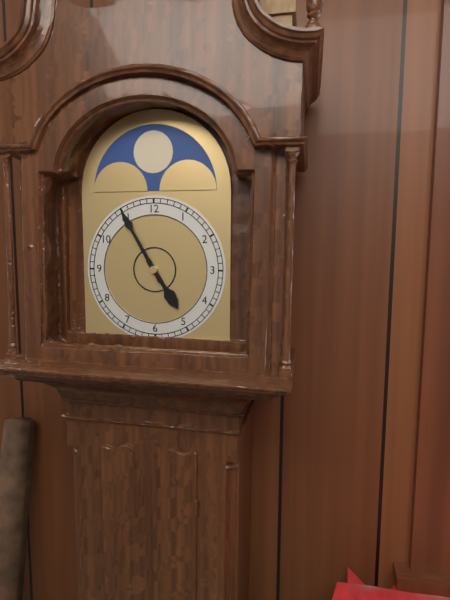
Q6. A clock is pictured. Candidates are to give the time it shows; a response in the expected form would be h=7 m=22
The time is h=4 m=55
